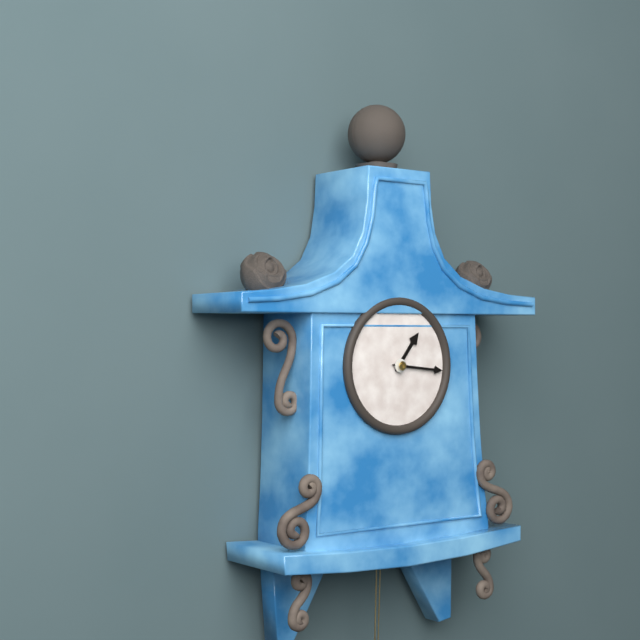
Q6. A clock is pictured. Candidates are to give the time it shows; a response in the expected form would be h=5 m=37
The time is h=1 m=16
